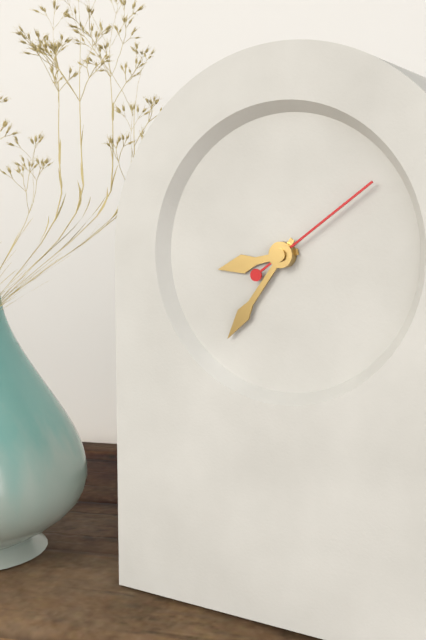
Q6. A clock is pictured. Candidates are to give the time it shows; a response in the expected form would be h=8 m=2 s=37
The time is h=8 m=36 s=9
